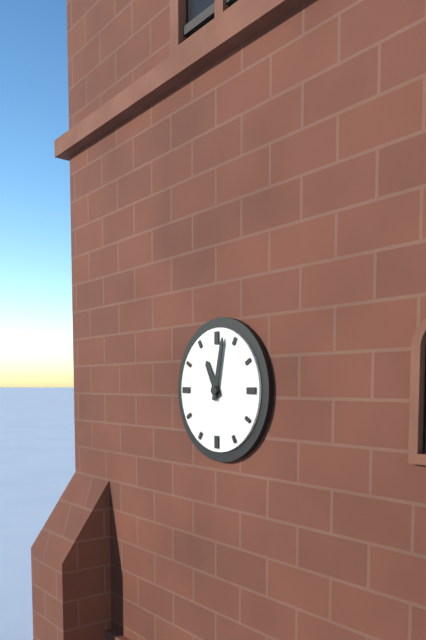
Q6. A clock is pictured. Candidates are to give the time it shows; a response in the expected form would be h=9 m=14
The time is h=11 m=2
